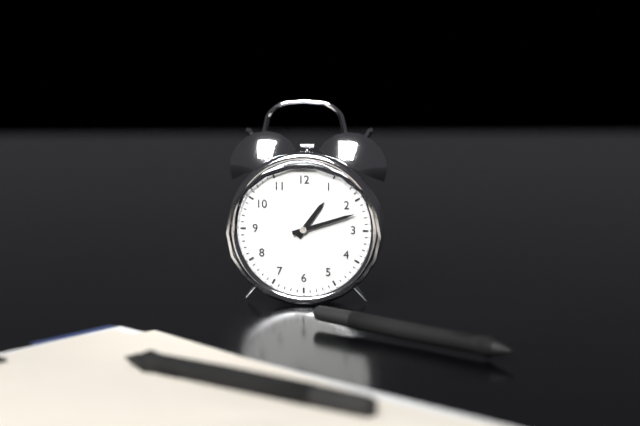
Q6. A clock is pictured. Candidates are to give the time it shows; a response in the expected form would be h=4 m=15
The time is h=1 m=12
